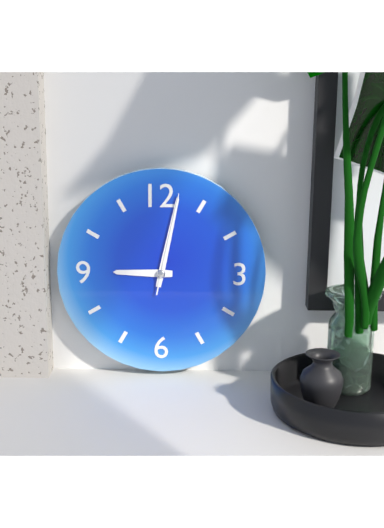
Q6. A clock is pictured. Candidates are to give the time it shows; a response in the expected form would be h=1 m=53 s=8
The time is h=9 m=2 s=2
